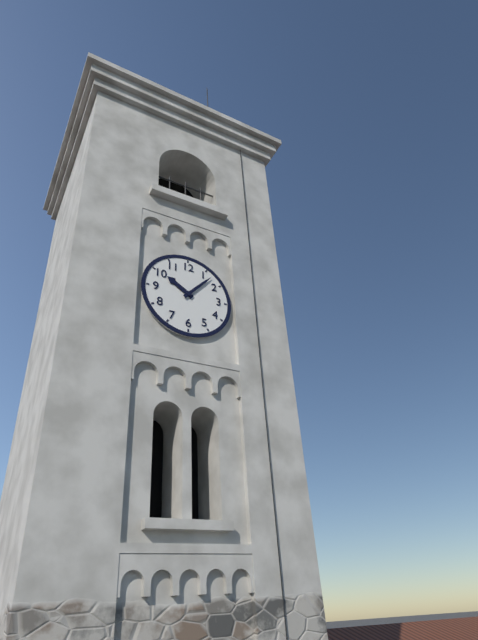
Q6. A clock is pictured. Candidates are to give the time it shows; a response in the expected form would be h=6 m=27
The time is h=10 m=7
